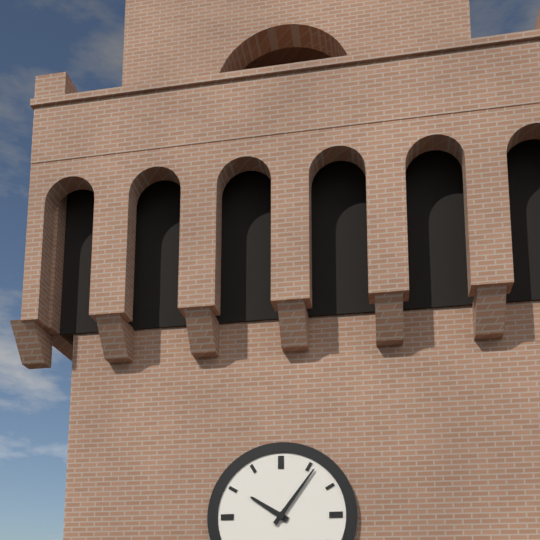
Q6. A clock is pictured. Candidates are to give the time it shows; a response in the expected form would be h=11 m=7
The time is h=10 m=6
